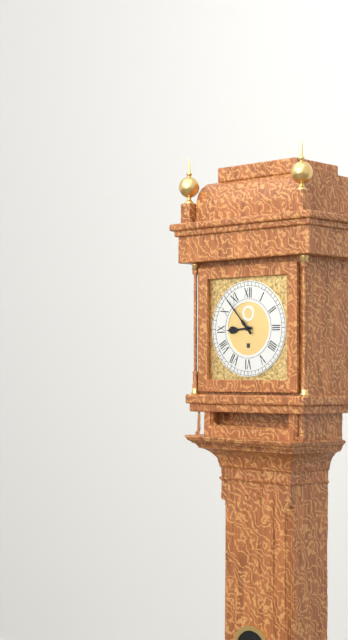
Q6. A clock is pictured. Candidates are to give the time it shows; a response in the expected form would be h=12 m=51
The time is h=8 m=53
